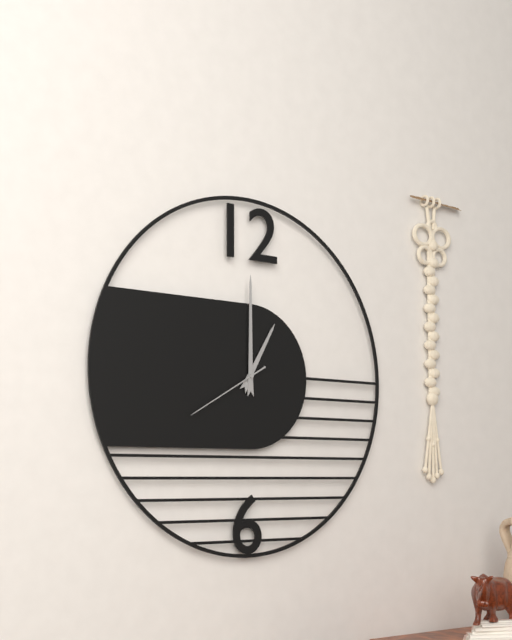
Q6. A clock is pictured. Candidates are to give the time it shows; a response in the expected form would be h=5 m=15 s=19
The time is h=1 m=0 s=40
